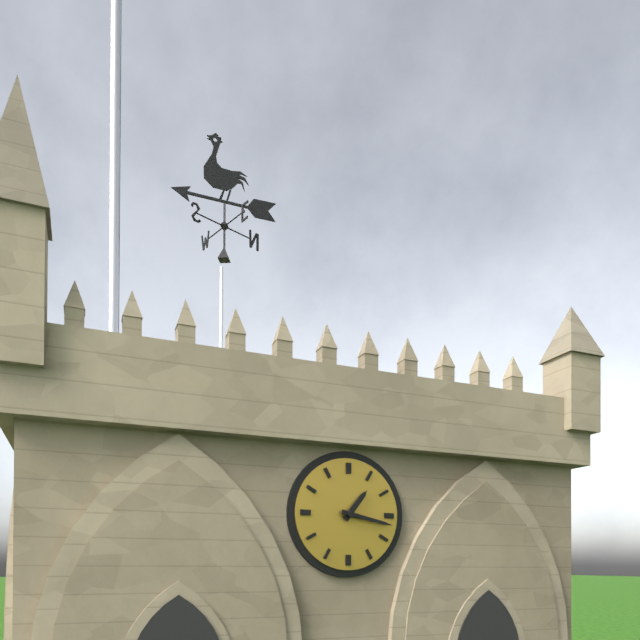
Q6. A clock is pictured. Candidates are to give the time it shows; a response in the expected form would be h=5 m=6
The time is h=1 m=17
